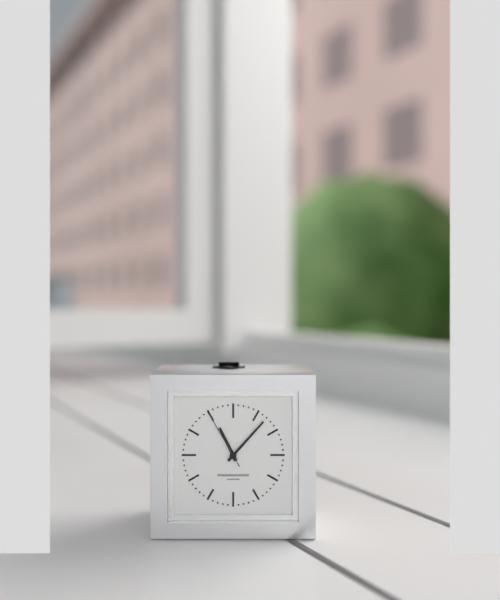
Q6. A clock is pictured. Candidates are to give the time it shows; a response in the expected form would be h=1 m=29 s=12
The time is h=11 m=7 s=55
